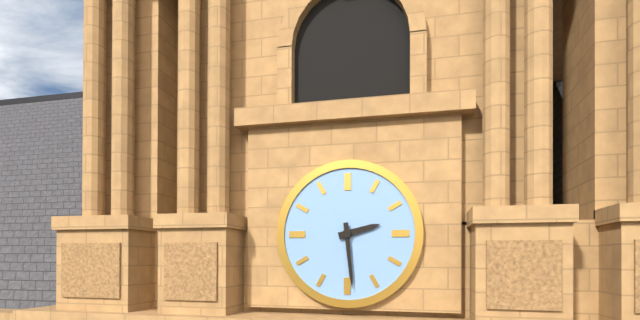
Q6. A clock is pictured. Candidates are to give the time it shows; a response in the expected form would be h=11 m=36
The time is h=2 m=29
